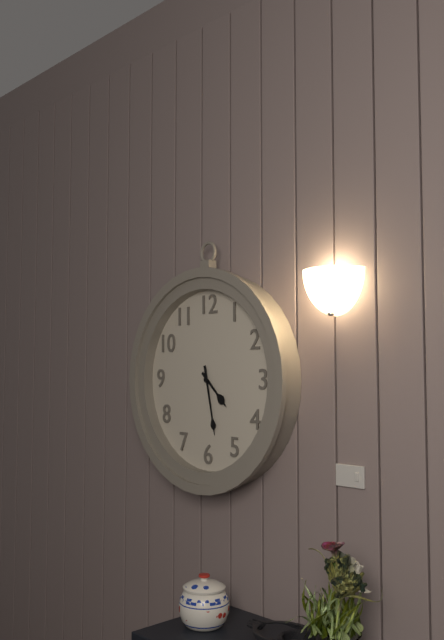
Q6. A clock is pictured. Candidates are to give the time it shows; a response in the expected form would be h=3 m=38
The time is h=4 m=28
